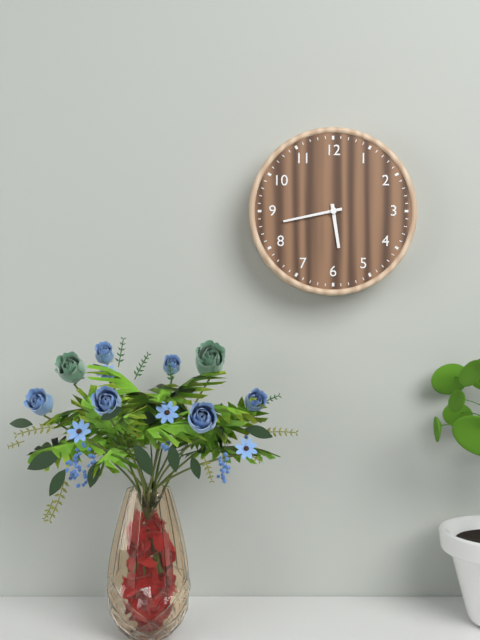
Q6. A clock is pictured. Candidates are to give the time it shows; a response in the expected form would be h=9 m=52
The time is h=5 m=43
